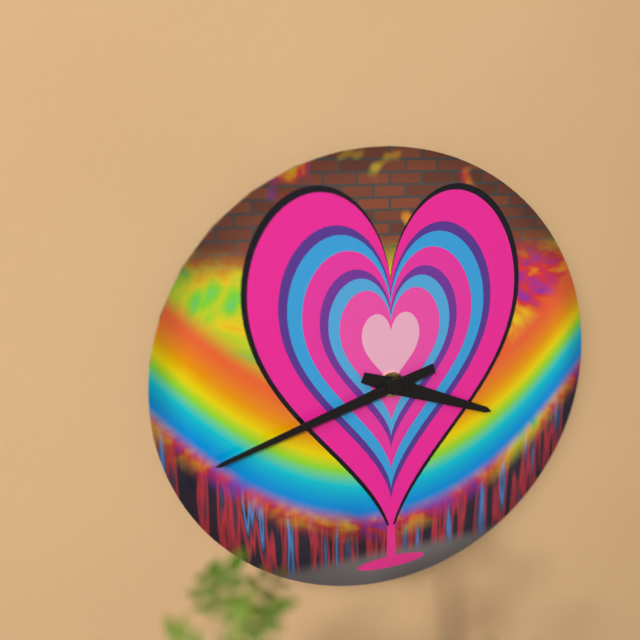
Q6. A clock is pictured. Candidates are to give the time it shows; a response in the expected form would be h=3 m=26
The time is h=3 m=42
